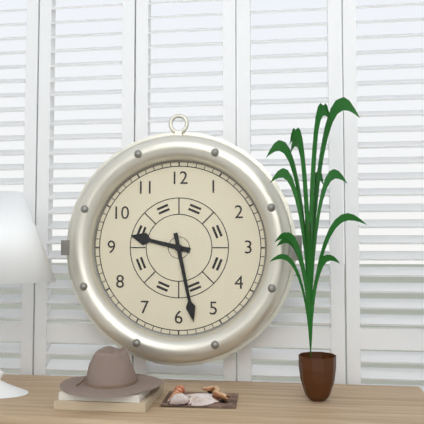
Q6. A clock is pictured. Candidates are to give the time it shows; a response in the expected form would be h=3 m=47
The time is h=9 m=28
